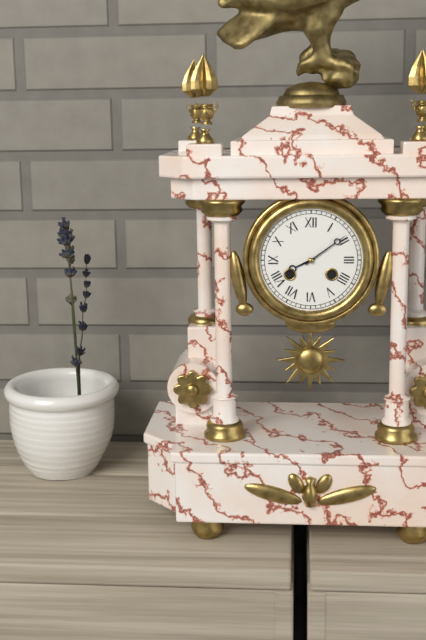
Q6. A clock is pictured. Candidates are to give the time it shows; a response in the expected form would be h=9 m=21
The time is h=8 m=9
